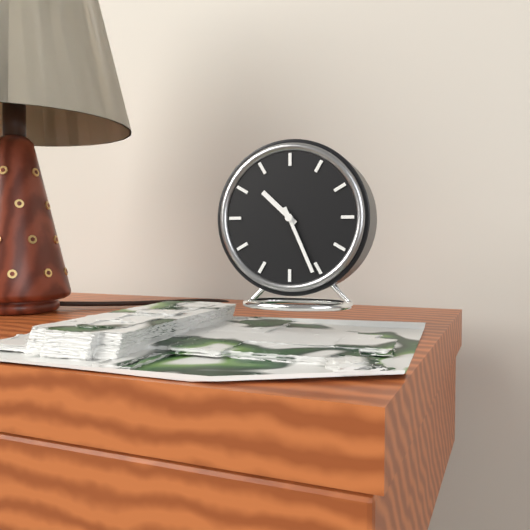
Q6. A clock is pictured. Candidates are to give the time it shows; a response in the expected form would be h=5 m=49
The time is h=10 m=26
